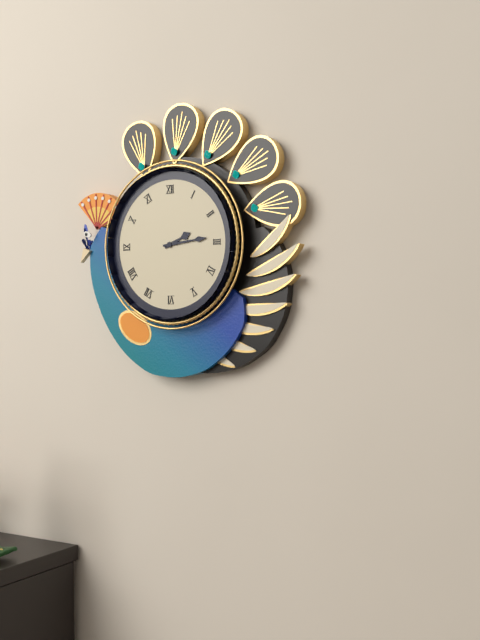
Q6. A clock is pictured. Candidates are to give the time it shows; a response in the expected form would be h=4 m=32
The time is h=2 m=14
